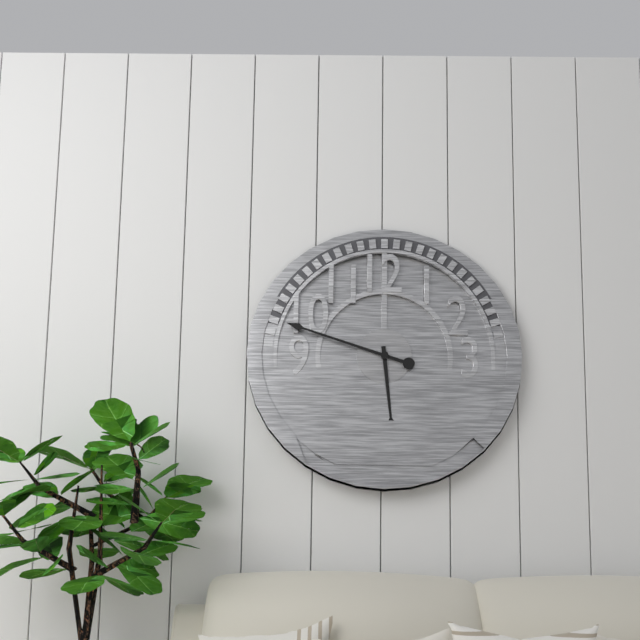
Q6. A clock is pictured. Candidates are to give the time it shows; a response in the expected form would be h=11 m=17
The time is h=5 m=48
